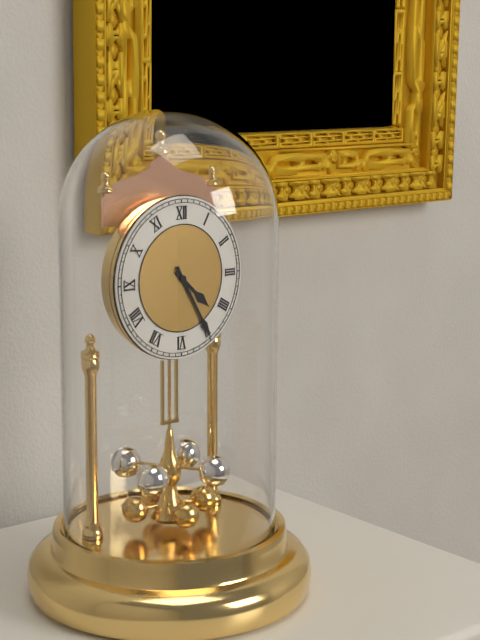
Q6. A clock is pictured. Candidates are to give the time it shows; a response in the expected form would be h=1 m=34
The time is h=4 m=25
